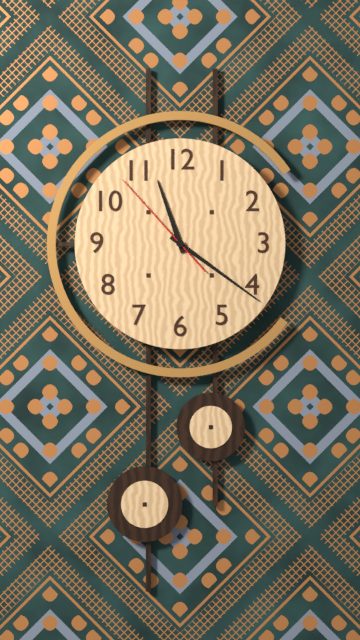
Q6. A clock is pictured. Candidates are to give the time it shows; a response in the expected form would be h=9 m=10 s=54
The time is h=11 m=21 s=53
